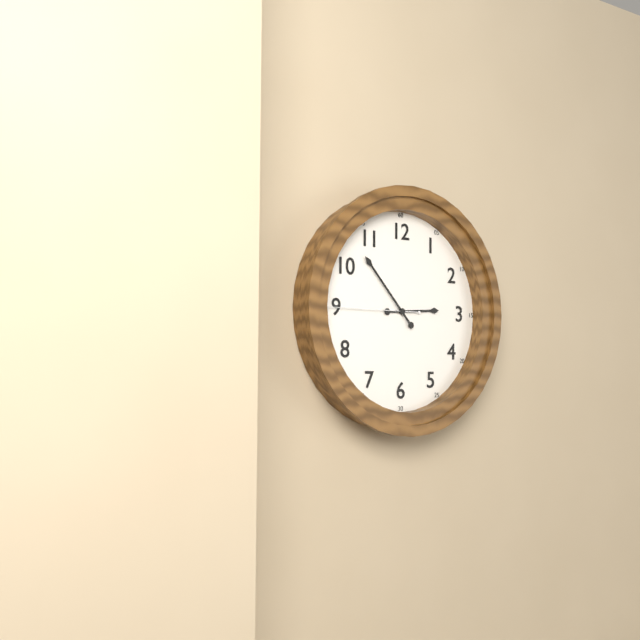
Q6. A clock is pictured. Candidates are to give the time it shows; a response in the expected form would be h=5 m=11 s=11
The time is h=2 m=53 s=45
